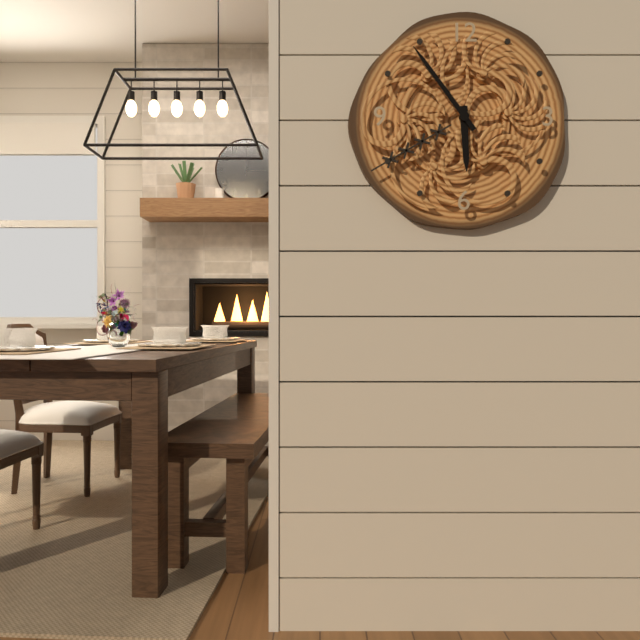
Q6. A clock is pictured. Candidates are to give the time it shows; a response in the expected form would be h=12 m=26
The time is h=5 m=54
